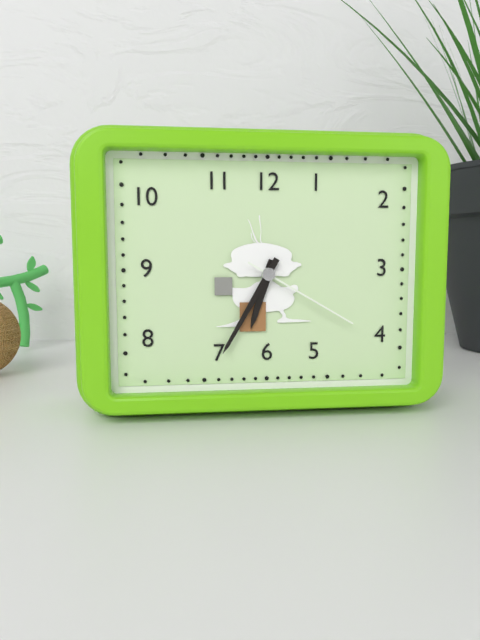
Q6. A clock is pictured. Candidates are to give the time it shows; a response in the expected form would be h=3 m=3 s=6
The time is h=6 m=35 s=20
